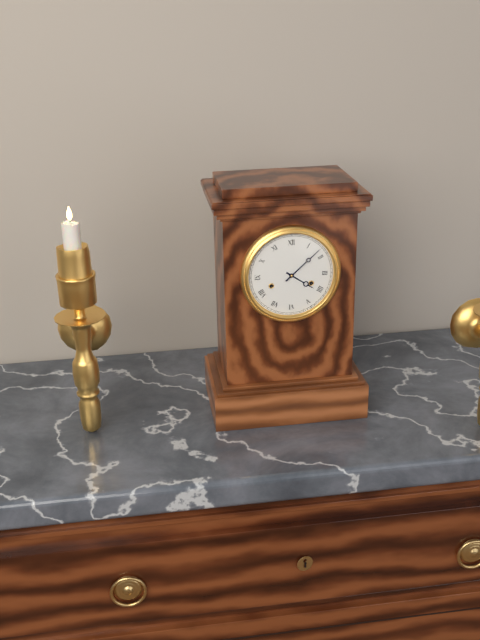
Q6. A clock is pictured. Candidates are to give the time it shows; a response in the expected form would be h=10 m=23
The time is h=4 m=8
